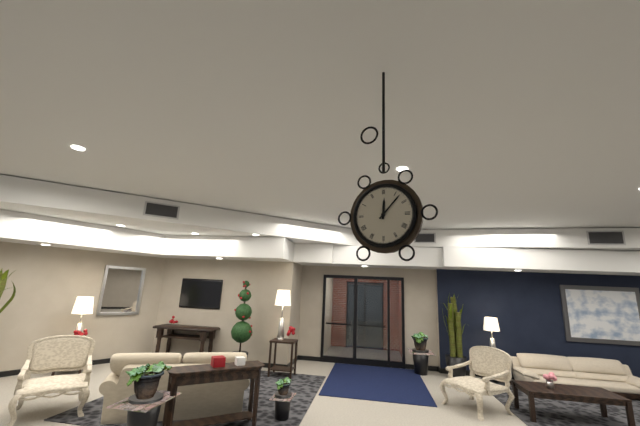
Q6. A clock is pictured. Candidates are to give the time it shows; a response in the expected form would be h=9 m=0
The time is h=12 m=7
